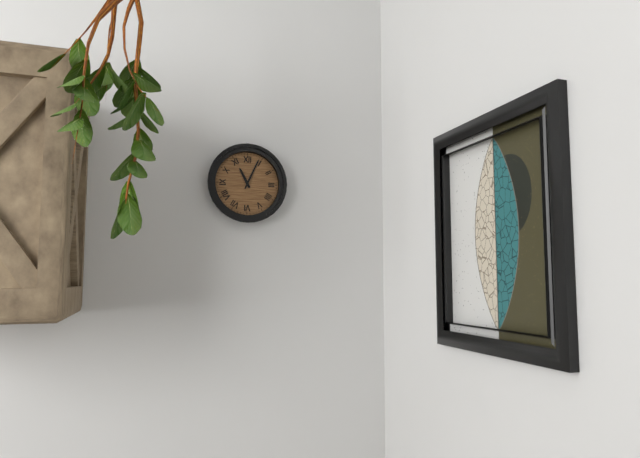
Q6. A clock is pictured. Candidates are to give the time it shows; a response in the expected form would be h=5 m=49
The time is h=11 m=4
